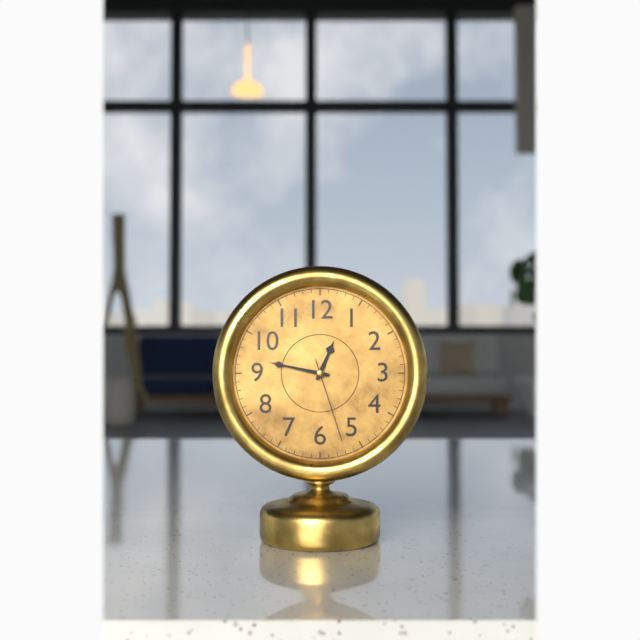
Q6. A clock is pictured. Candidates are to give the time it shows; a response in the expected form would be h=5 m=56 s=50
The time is h=12 m=47 s=27
